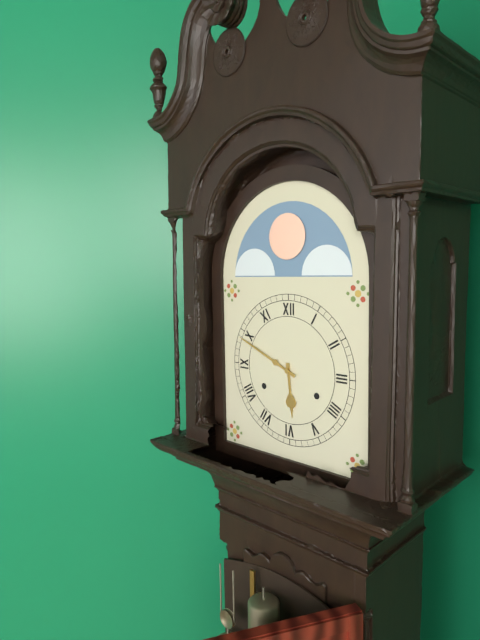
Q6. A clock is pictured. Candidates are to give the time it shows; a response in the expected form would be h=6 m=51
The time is h=5 m=49
